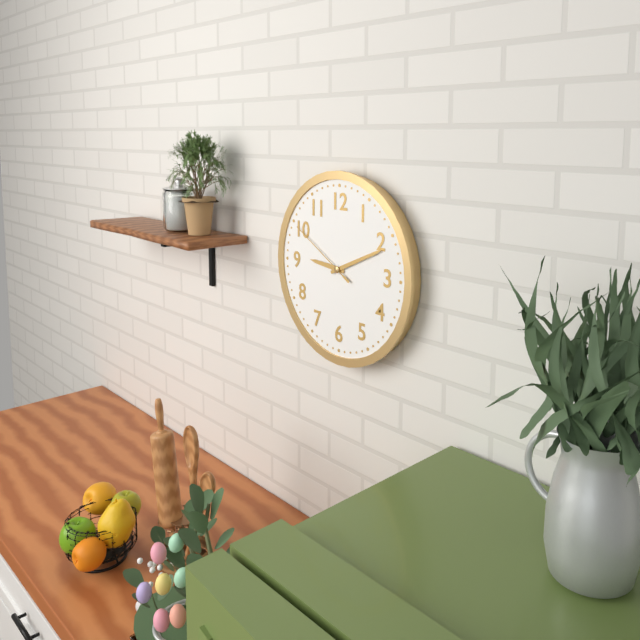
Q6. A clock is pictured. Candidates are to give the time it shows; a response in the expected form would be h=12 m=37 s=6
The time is h=9 m=11 s=50
